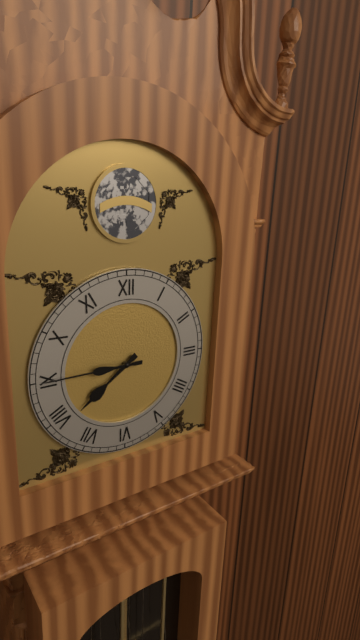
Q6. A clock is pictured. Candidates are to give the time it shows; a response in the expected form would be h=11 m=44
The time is h=7 m=45
